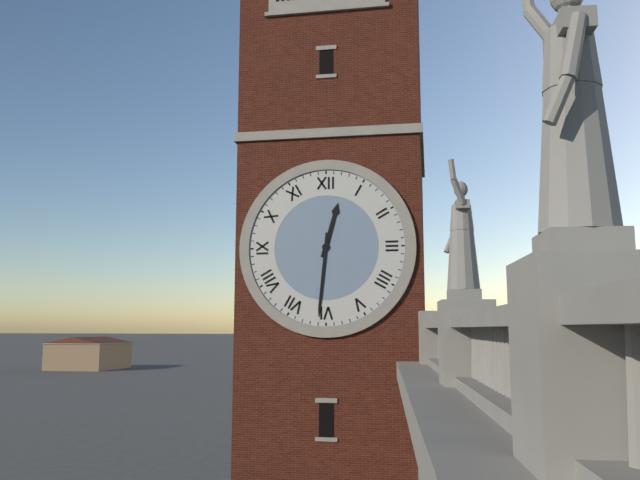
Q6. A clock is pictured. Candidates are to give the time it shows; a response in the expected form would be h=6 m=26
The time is h=12 m=31
